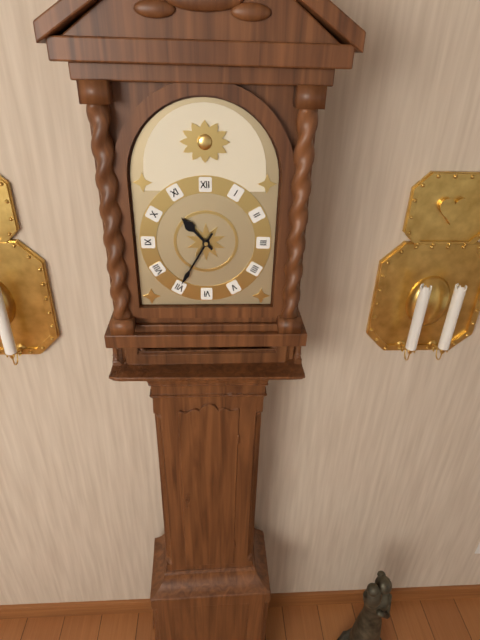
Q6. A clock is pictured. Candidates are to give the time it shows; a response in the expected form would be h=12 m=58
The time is h=10 m=35
